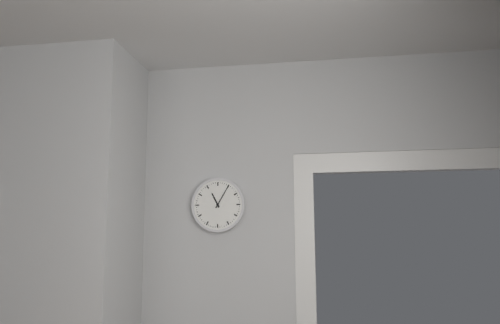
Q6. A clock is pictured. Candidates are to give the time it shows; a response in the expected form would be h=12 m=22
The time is h=11 m=5
